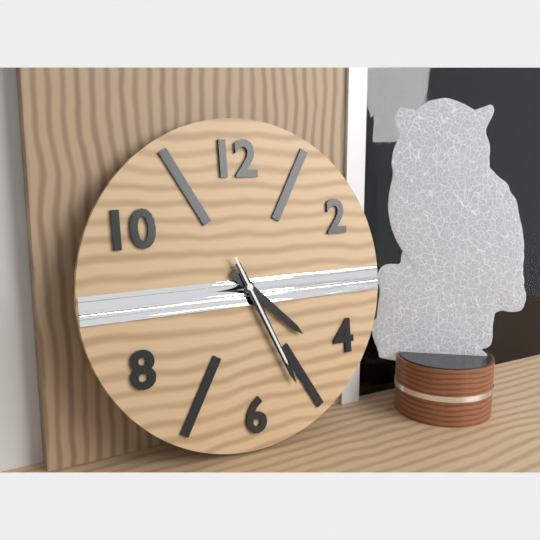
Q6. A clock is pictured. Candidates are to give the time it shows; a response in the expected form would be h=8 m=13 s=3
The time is h=4 m=26 s=26
